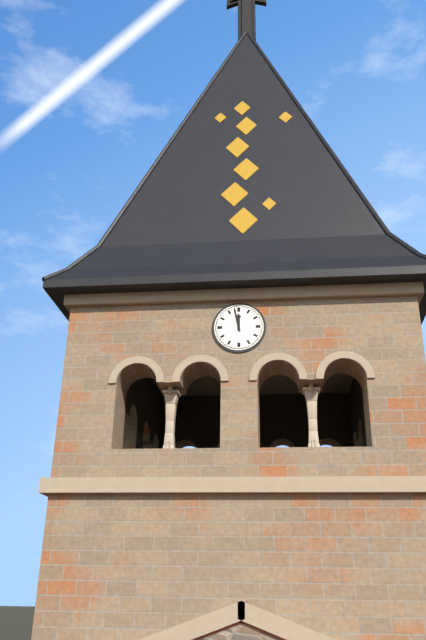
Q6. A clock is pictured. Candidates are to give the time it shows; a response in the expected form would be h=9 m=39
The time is h=11 m=58
